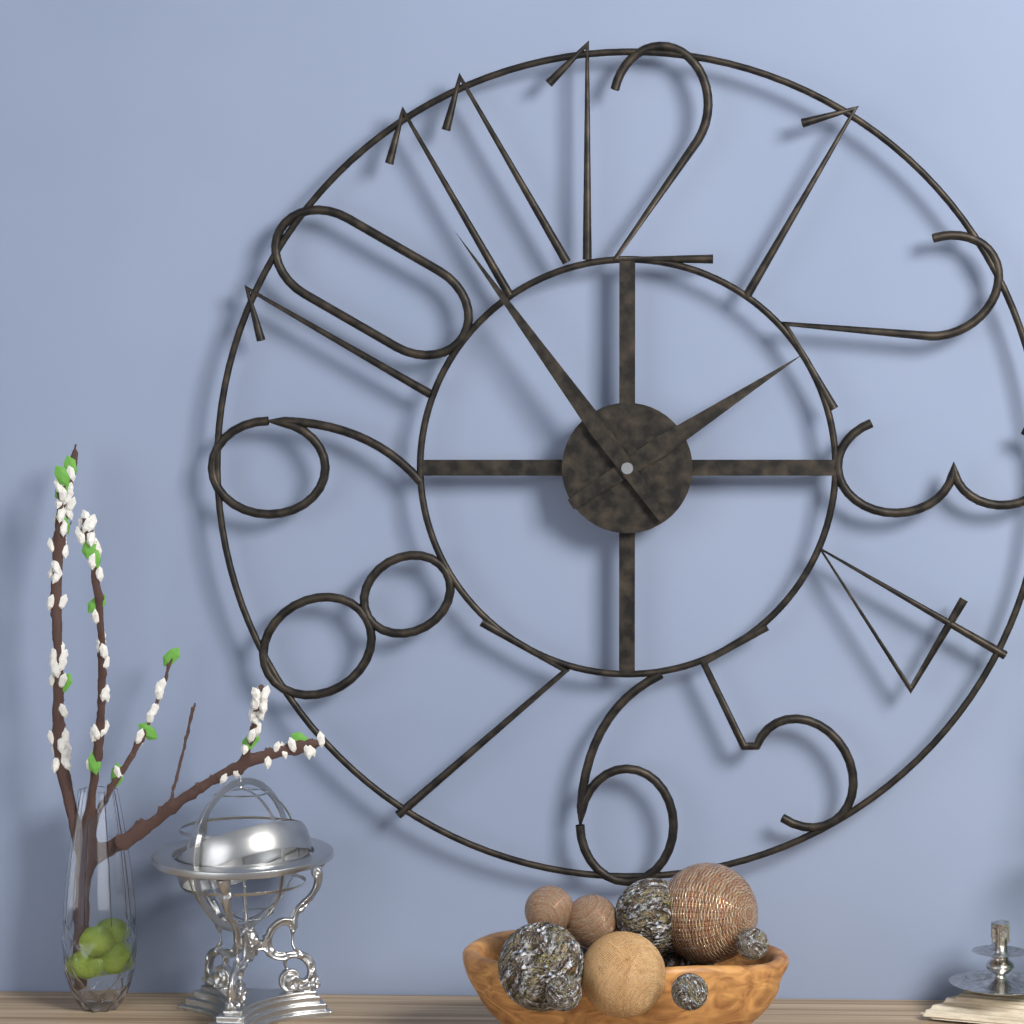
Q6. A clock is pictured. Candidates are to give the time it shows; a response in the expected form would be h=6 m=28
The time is h=1 m=54
